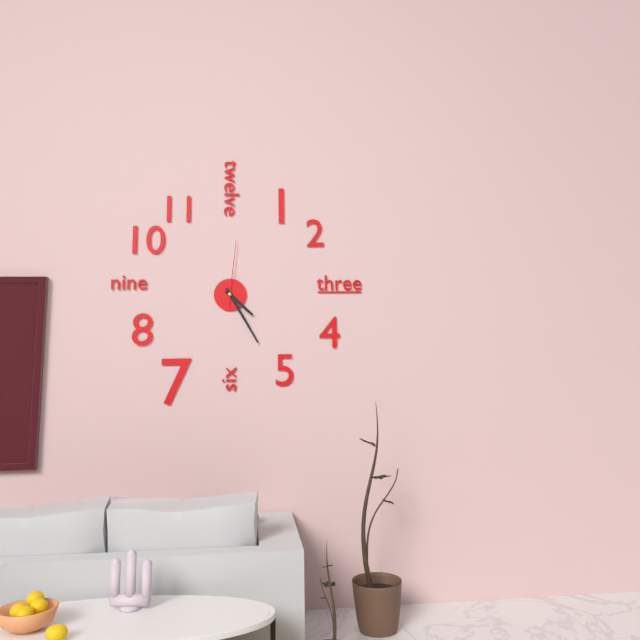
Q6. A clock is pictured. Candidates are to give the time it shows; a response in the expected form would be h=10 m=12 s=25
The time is h=4 m=25 s=1
